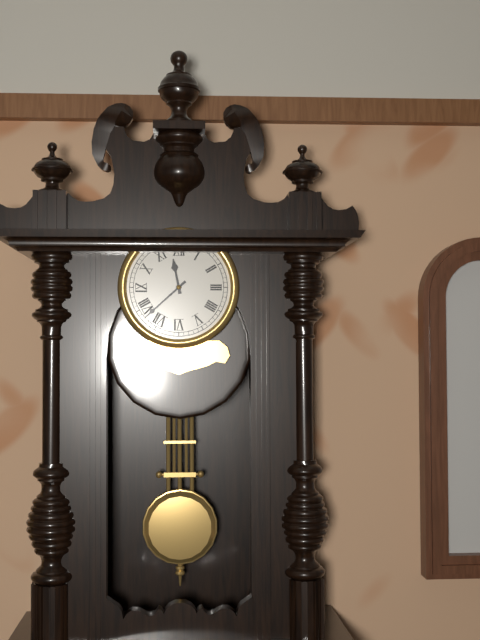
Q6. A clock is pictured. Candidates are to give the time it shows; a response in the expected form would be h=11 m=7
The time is h=11 m=38
